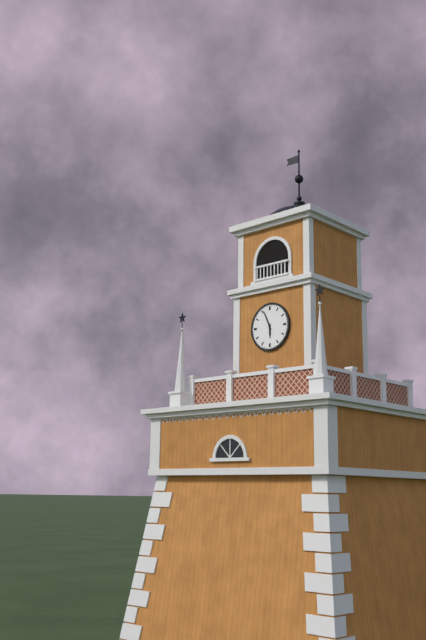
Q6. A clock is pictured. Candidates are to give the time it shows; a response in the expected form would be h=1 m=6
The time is h=5 m=56
